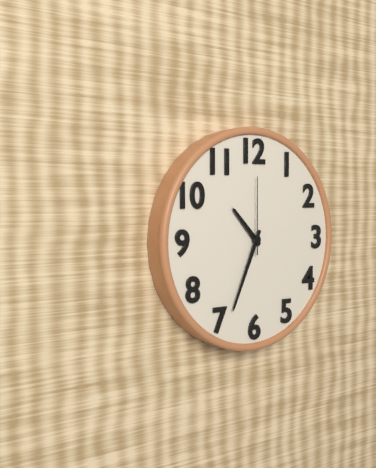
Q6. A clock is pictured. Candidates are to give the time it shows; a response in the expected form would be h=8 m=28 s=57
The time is h=10 m=34 s=0
